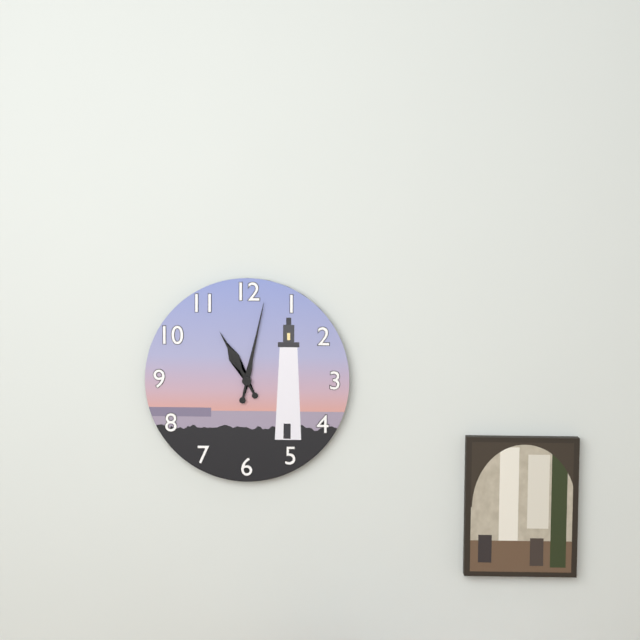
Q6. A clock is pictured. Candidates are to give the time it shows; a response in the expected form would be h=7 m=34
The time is h=11 m=2
